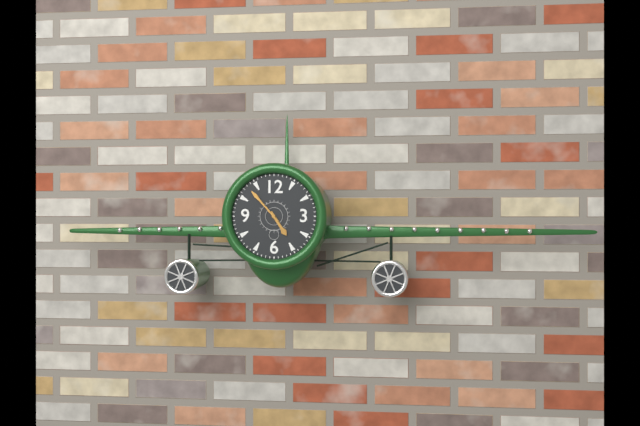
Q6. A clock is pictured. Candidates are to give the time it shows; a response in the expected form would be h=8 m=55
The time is h=4 m=53
